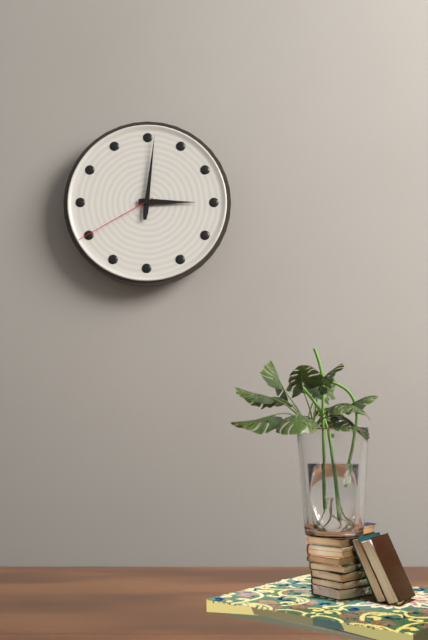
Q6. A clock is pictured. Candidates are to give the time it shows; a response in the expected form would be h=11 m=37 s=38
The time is h=3 m=1 s=40
